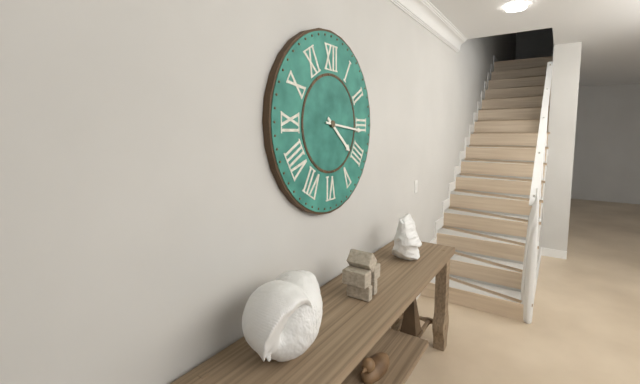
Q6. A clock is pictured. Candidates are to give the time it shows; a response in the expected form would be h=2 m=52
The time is h=4 m=16
